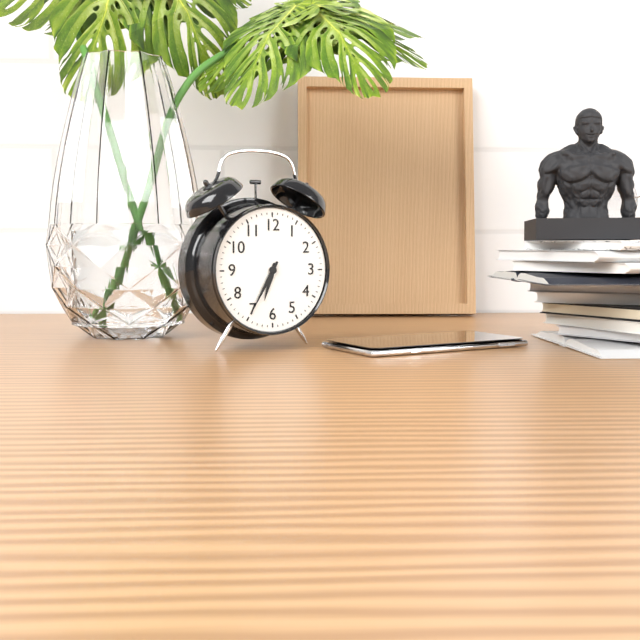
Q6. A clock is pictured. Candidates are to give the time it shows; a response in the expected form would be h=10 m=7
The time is h=6 m=35
